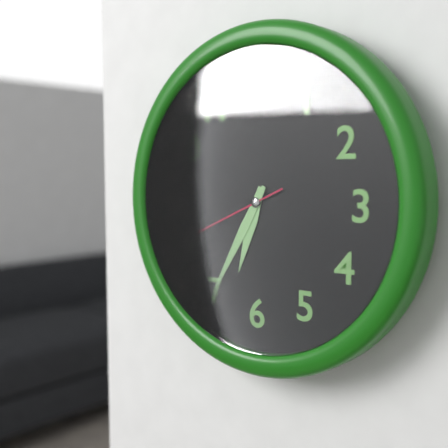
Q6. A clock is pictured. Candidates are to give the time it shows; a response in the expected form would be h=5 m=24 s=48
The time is h=6 m=35 s=41
